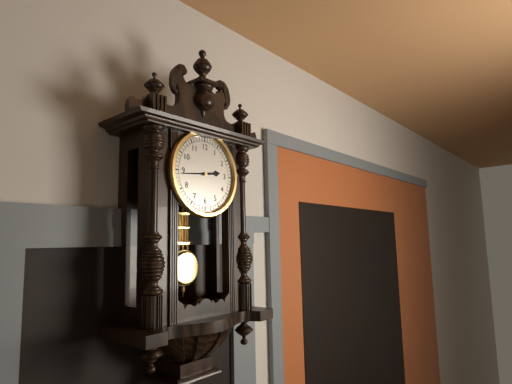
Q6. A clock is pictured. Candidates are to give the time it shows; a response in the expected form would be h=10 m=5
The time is h=2 m=44
